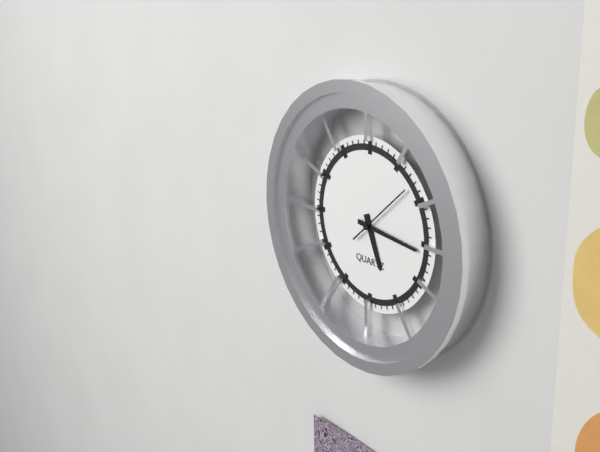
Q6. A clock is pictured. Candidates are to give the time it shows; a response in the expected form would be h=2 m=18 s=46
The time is h=5 m=16 s=8
